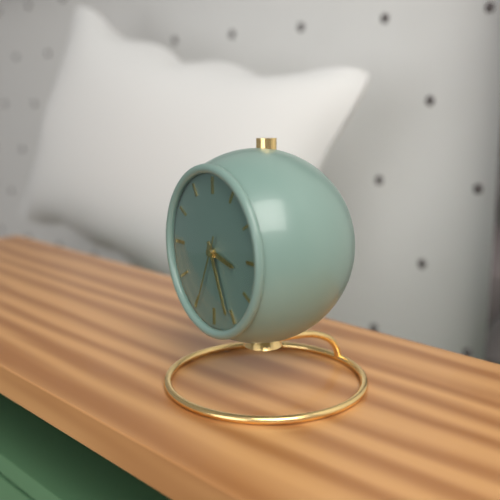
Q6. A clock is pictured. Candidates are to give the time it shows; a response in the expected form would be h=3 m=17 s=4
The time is h=3 m=26 s=34
